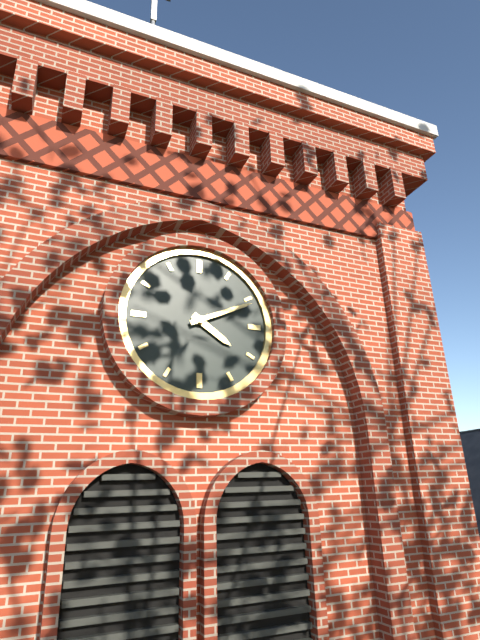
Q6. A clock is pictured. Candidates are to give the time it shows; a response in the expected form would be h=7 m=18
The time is h=4 m=11
